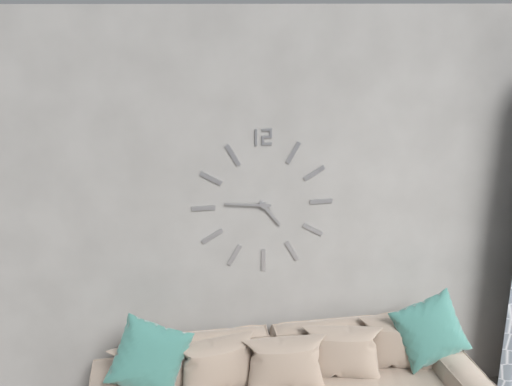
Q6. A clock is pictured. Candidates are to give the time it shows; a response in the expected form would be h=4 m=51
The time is h=4 m=46
